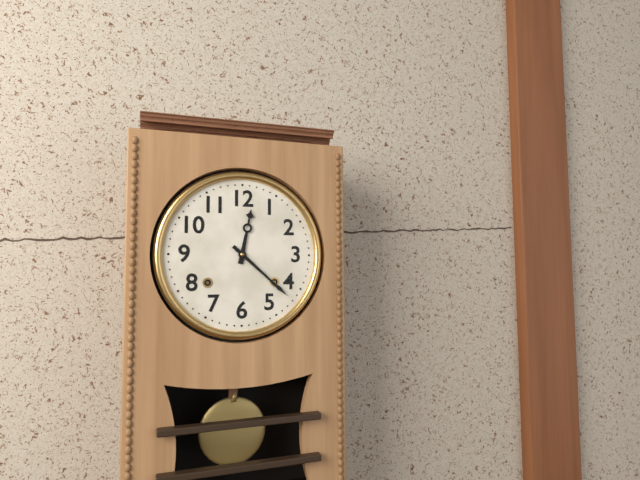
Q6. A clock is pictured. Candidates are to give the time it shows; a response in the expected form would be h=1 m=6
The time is h=12 m=22
